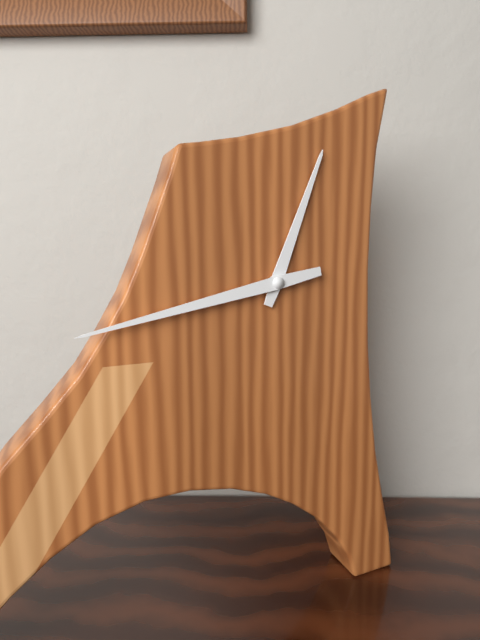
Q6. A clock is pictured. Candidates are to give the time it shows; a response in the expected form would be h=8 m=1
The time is h=12 m=43
